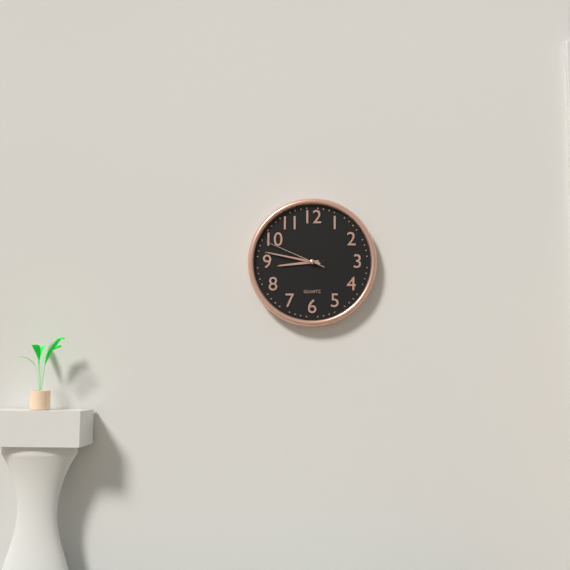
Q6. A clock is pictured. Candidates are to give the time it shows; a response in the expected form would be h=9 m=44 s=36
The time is h=8 m=47 s=49
